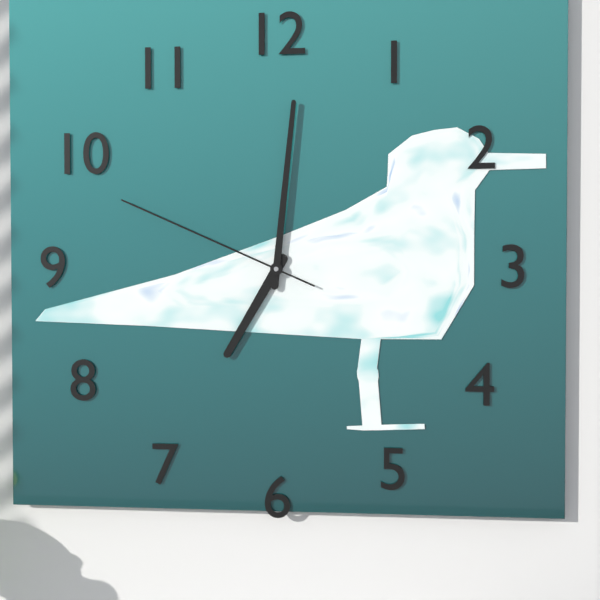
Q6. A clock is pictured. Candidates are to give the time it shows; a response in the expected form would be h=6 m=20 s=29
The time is h=7 m=1 s=49
